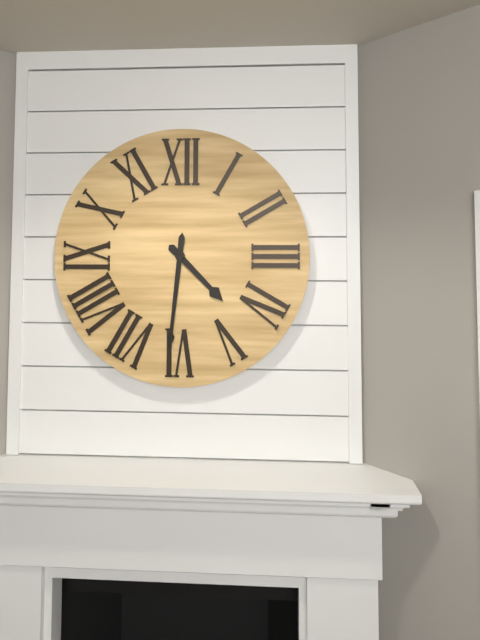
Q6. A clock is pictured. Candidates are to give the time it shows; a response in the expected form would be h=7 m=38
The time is h=4 m=31
